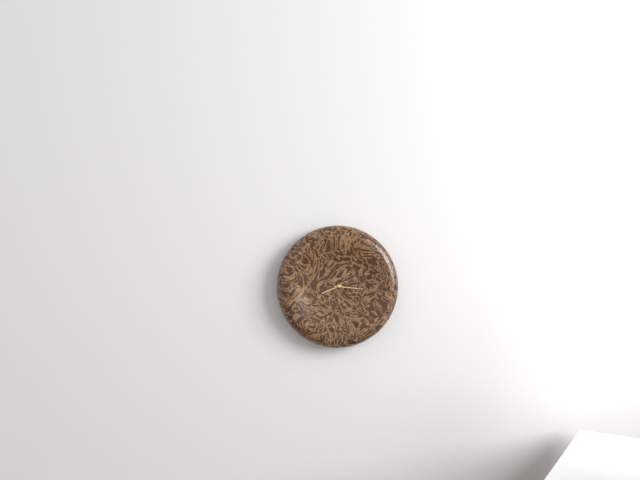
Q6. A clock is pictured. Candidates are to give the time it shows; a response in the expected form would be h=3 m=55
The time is h=8 m=16
